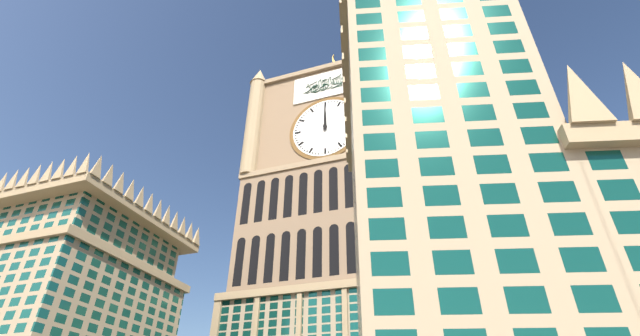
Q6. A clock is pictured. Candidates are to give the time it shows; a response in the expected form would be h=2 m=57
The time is h=12 m=0
